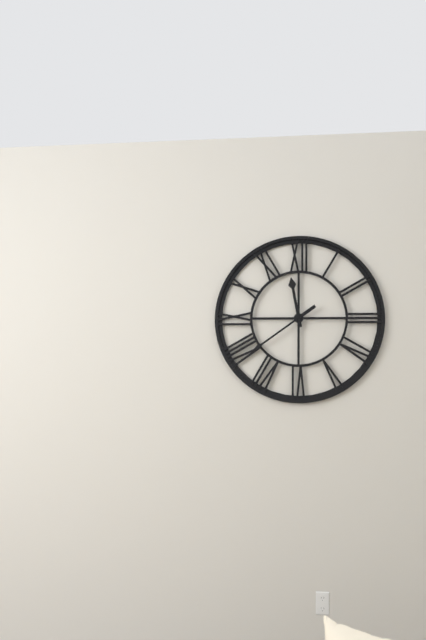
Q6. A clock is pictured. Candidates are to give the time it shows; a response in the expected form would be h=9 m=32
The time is h=11 m=39
